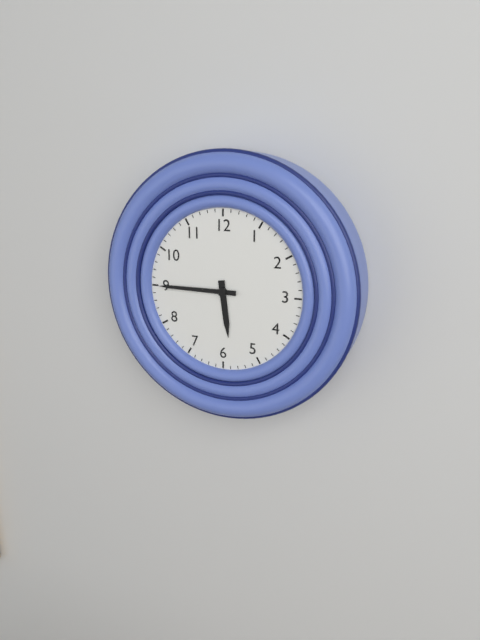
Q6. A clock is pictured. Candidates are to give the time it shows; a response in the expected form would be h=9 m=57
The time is h=5 m=45
